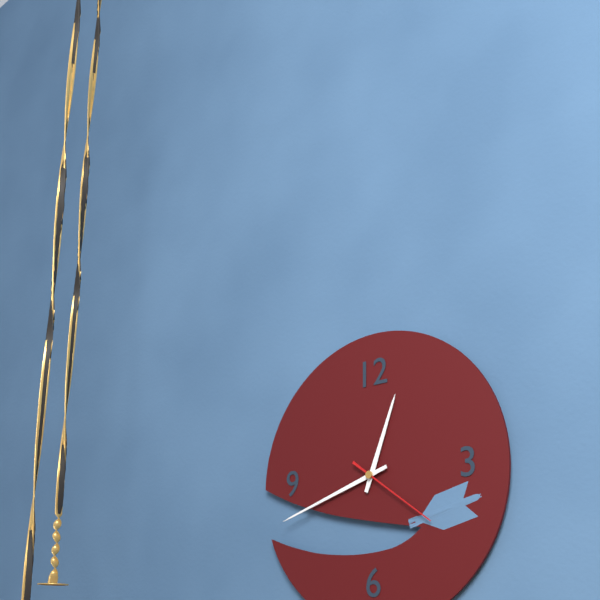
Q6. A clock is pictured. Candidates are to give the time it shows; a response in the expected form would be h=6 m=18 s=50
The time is h=12 m=42 s=21
